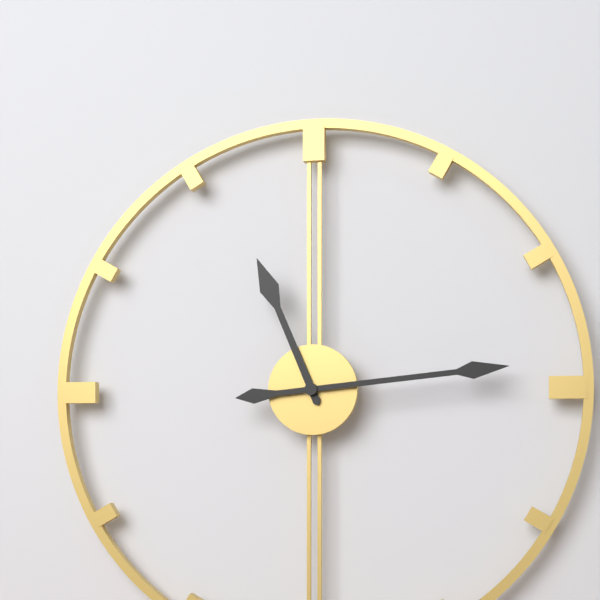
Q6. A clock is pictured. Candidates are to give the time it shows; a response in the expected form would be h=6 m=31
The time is h=11 m=14
